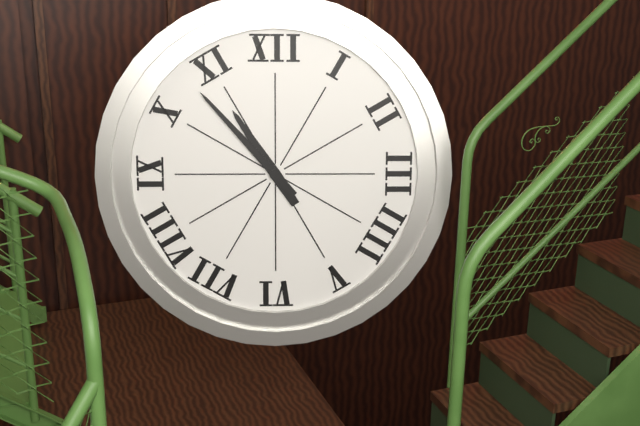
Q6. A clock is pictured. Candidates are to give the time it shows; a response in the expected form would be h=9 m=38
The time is h=10 m=53
